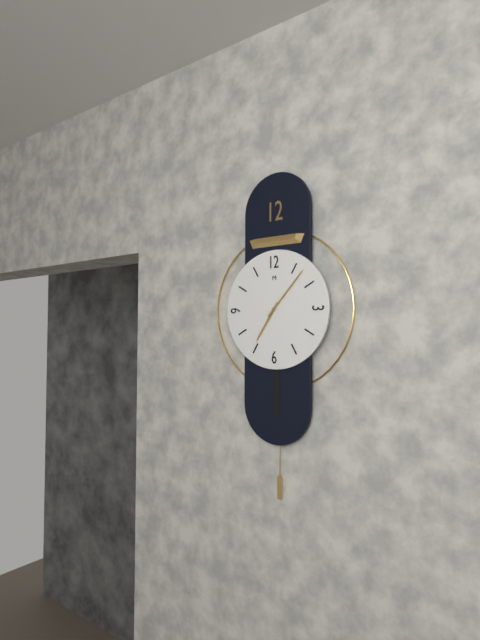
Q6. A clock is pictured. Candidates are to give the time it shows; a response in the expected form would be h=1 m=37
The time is h=7 m=7
